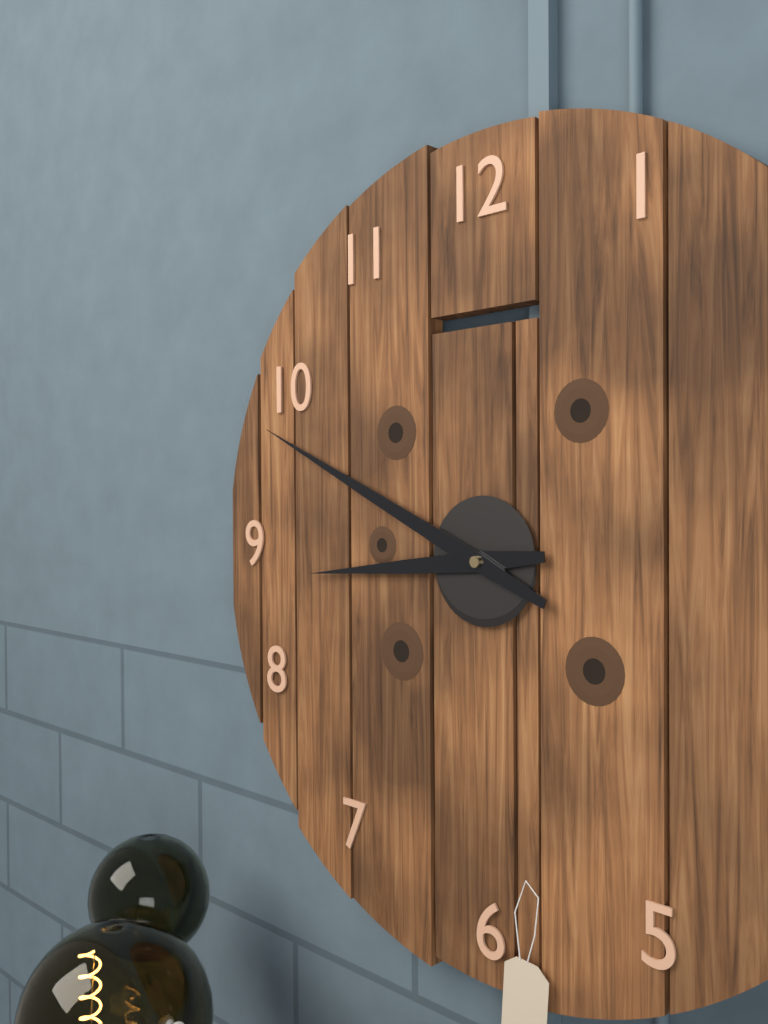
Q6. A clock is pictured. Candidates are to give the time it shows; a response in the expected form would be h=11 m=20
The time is h=8 m=49
